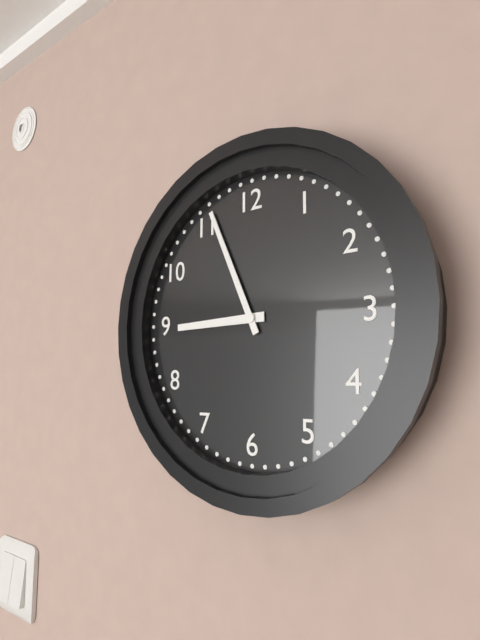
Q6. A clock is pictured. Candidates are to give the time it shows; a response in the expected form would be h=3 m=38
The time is h=8 m=56
